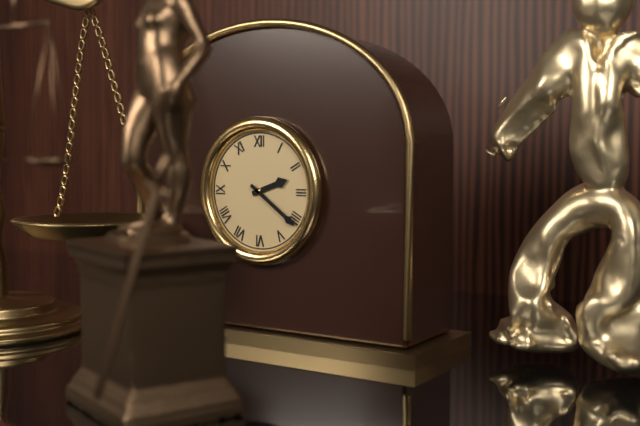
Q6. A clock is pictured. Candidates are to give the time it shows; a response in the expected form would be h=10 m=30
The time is h=2 m=21
